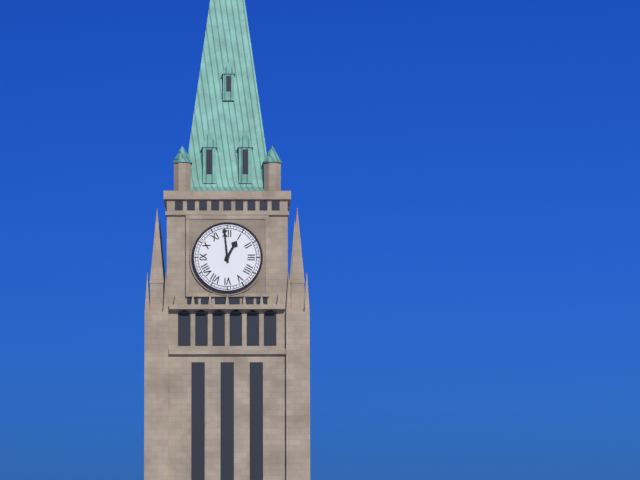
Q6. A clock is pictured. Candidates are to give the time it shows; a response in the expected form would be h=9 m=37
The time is h=12 m=59
